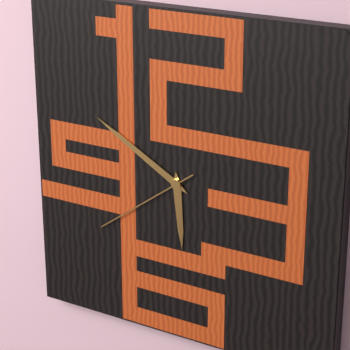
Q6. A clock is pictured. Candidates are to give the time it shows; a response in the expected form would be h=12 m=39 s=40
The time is h=5 m=50 s=39
